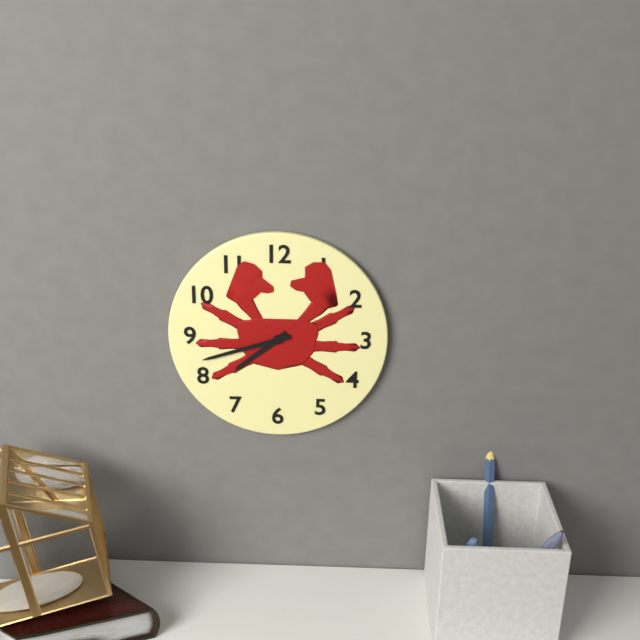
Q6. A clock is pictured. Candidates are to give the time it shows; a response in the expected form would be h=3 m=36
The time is h=7 m=42
